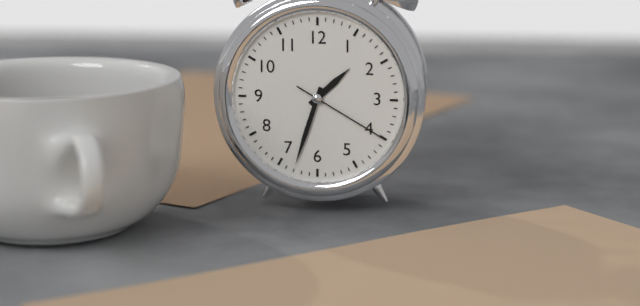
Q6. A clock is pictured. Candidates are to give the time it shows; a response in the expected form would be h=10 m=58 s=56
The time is h=1 m=33 s=20
